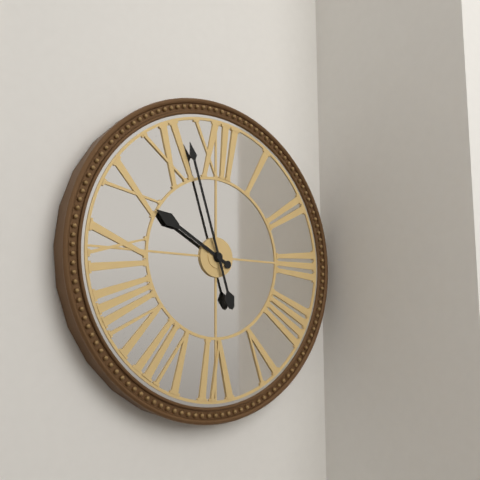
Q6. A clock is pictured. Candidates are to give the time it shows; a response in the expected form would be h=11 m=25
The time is h=9 m=57
